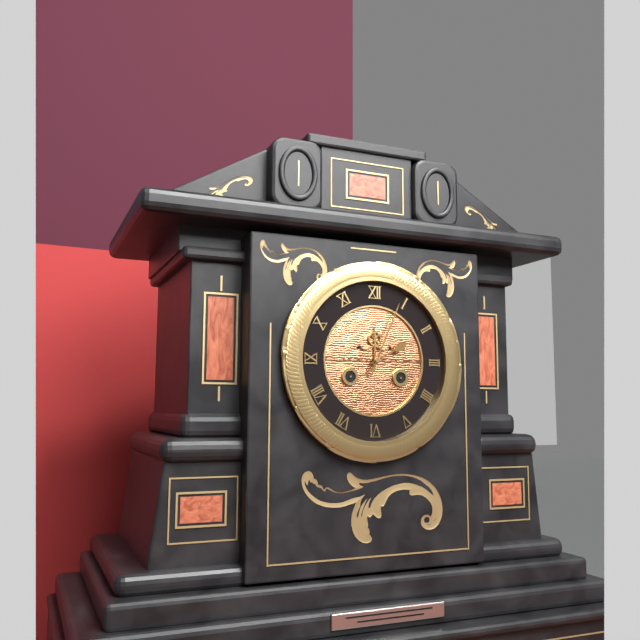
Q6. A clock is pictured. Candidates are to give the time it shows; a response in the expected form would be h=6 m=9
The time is h=2 m=4
